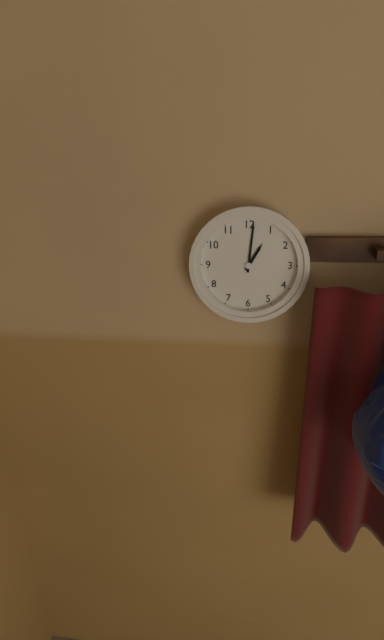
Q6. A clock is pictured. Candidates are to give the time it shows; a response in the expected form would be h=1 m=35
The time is h=1 m=1
